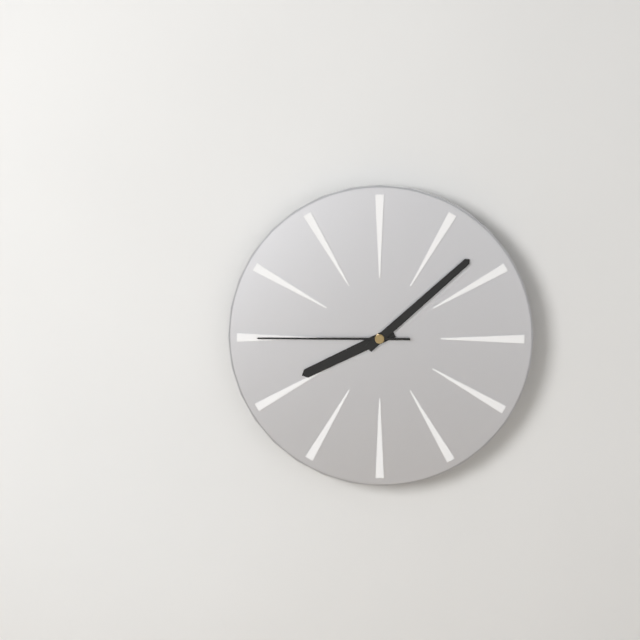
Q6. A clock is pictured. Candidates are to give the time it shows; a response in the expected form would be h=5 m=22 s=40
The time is h=8 m=8 s=45
